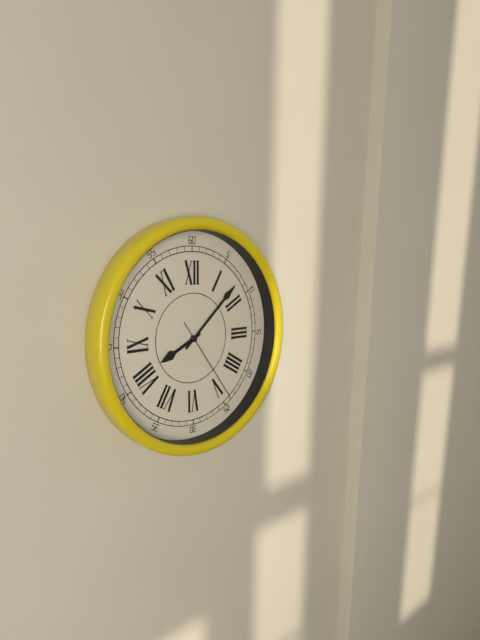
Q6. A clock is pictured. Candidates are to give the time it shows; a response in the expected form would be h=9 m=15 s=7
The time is h=8 m=8 s=24
